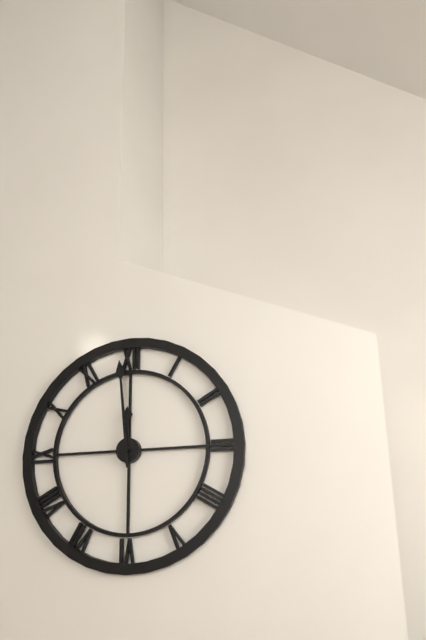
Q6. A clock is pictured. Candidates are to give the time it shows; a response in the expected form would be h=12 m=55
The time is h=11 m=59
